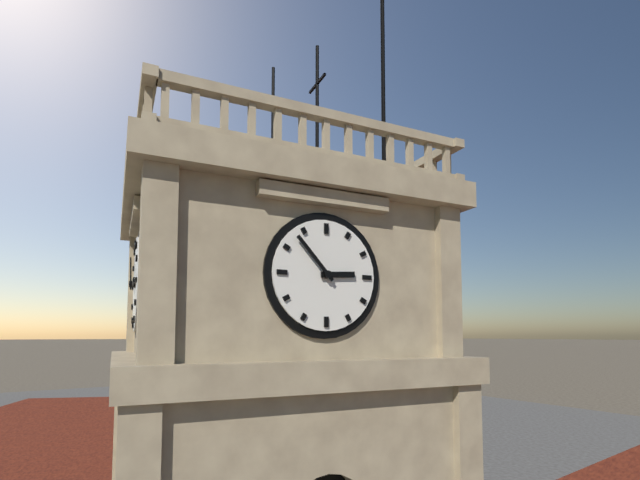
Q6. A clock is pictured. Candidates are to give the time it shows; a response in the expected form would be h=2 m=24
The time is h=2 m=53
